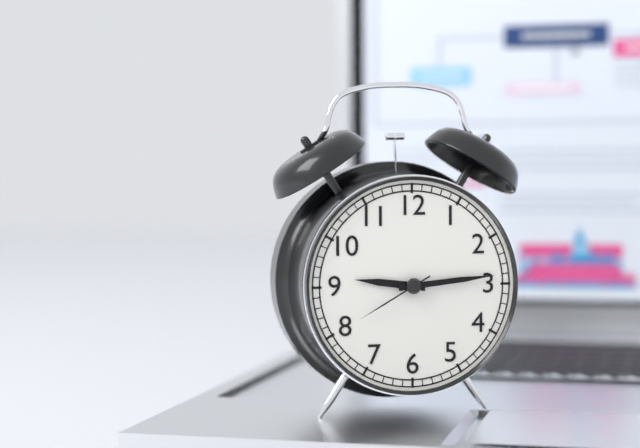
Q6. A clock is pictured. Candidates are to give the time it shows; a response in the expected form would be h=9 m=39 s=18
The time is h=9 m=14 s=40
